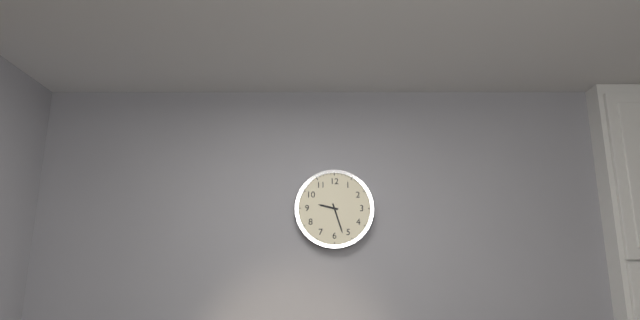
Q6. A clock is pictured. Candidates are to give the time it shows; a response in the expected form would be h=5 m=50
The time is h=9 m=27
